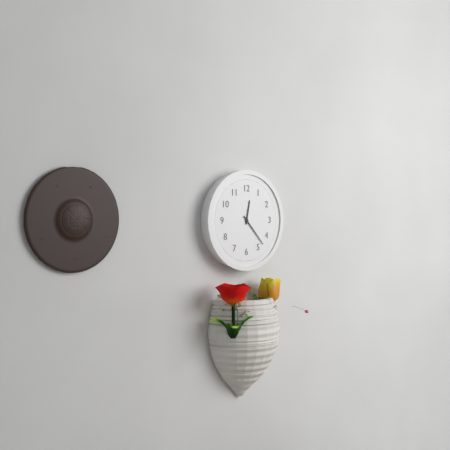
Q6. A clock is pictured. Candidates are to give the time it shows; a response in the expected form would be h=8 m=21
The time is h=12 m=23
